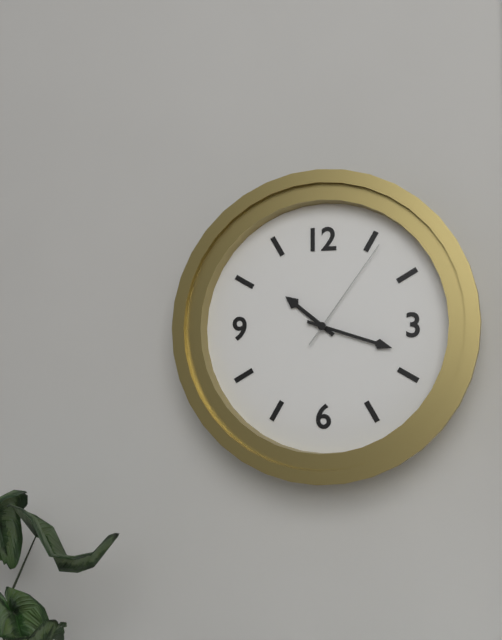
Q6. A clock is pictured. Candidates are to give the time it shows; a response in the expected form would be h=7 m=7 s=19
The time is h=10 m=18 s=6
